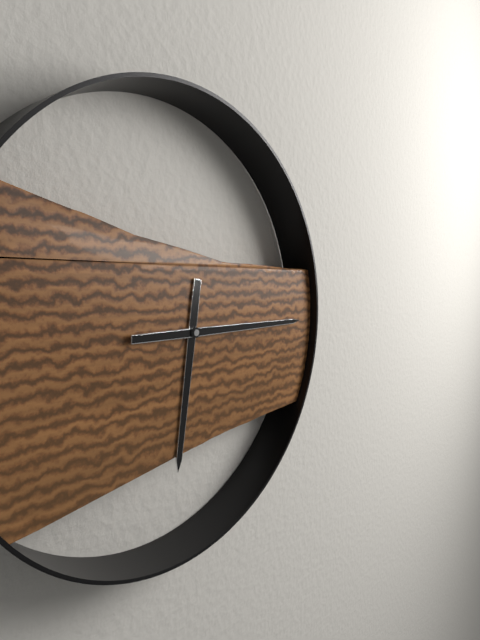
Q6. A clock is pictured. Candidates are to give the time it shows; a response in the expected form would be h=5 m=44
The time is h=6 m=15
